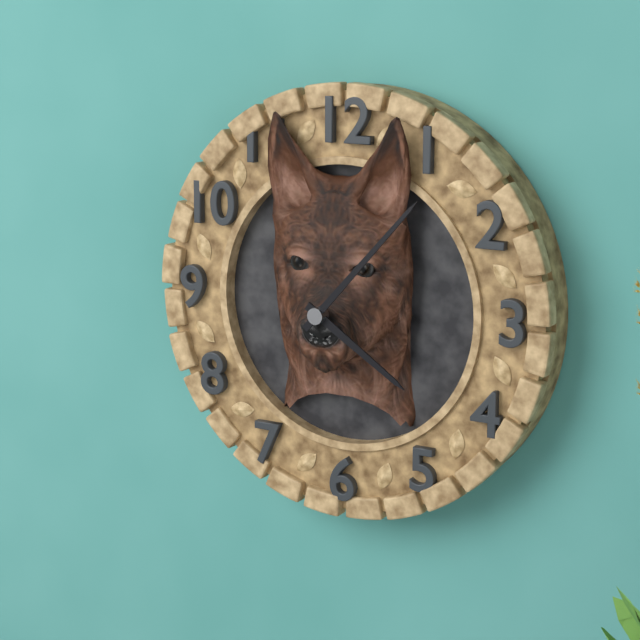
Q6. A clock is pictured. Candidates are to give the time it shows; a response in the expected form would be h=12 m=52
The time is h=4 m=7
